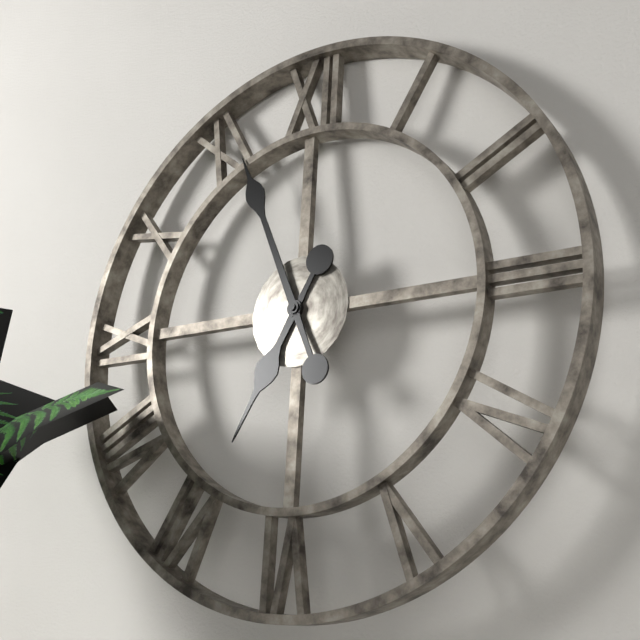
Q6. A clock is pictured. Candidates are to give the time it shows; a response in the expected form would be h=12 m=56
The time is h=6 m=56
